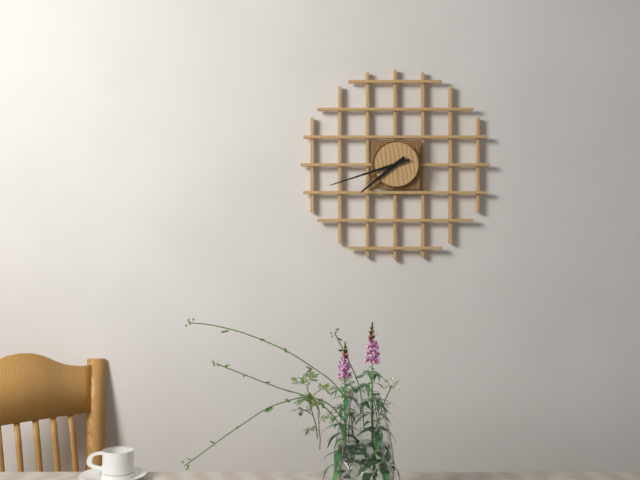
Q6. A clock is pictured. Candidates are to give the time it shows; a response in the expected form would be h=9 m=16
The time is h=7 m=42
